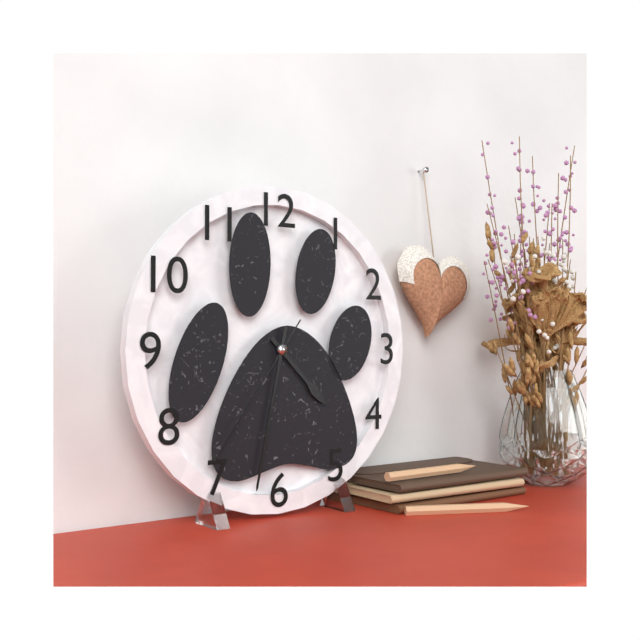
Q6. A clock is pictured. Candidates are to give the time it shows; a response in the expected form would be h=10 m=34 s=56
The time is h=4 m=32 s=36
